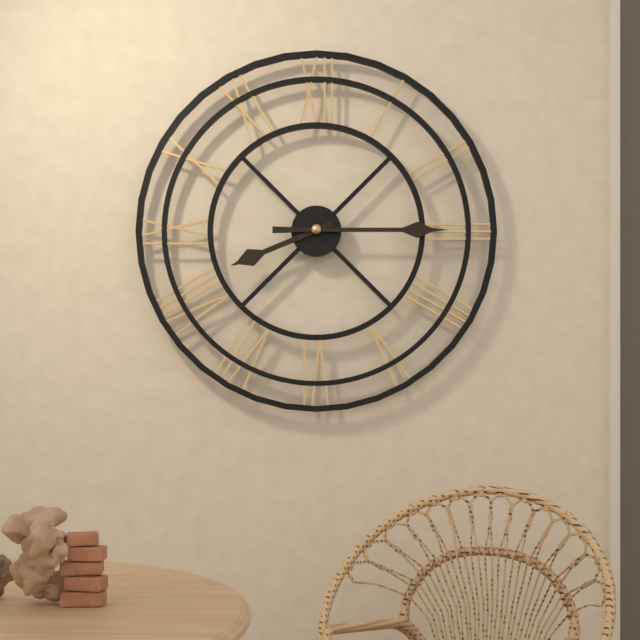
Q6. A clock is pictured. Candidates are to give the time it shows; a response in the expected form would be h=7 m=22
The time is h=8 m=15
